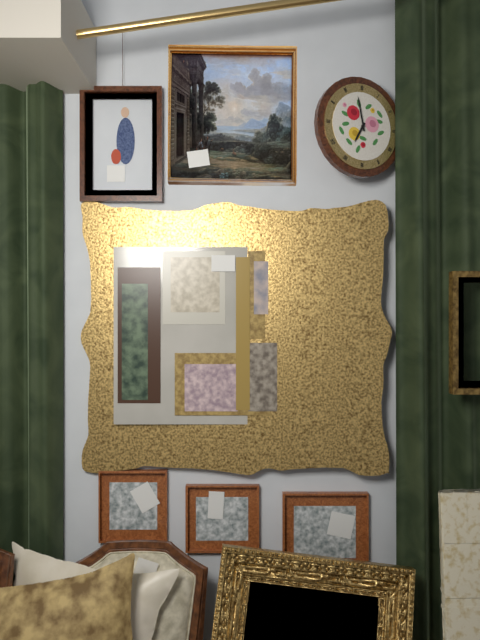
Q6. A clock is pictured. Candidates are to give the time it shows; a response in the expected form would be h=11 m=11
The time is h=6 m=58
